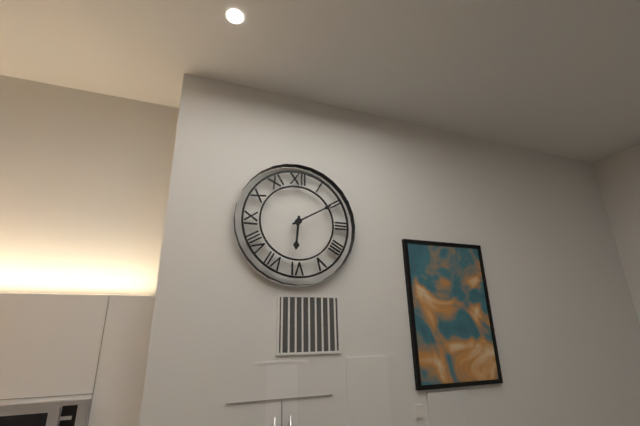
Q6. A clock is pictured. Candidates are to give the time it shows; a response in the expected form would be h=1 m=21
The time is h=6 m=10
